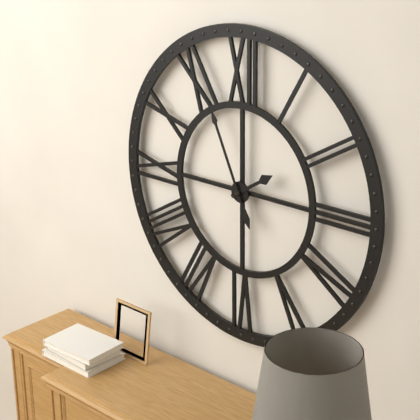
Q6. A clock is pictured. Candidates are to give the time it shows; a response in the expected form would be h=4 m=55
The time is h=1 m=56
